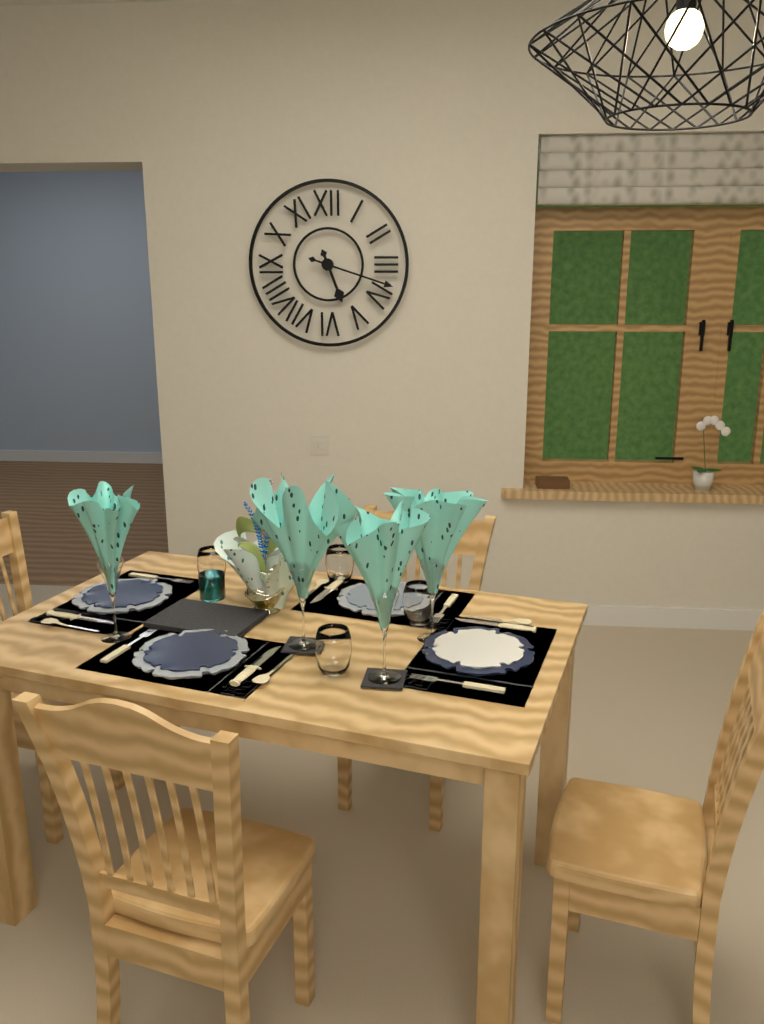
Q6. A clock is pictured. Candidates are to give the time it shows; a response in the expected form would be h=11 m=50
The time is h=5 m=18
